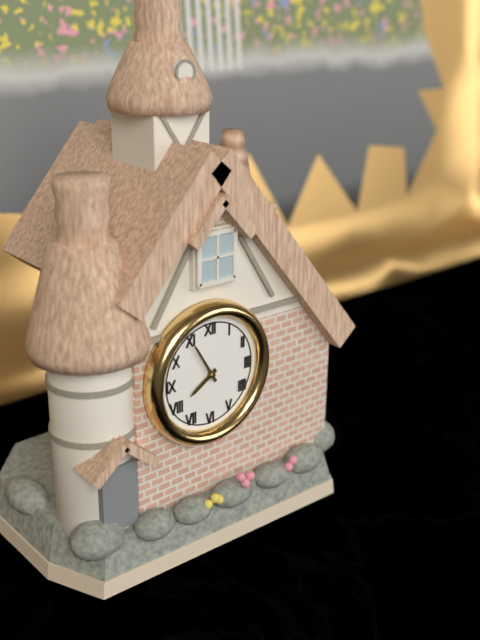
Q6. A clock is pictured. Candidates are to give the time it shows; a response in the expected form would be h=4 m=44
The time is h=7 m=55
